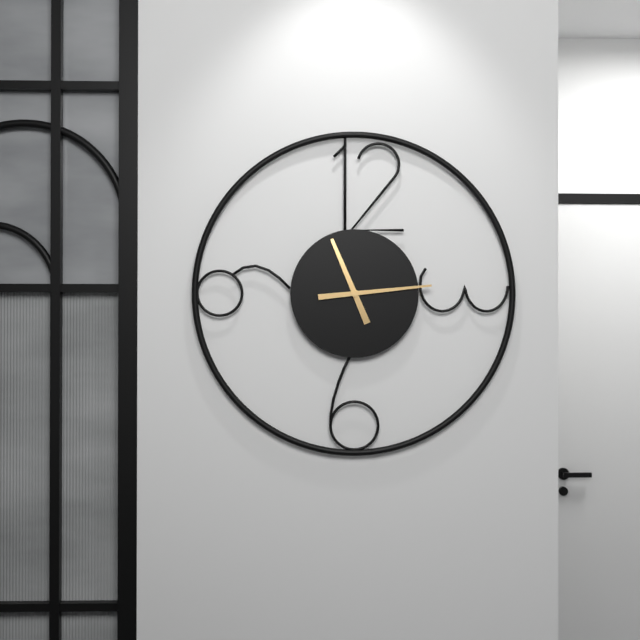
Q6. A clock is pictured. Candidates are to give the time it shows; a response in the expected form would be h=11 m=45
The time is h=11 m=14
